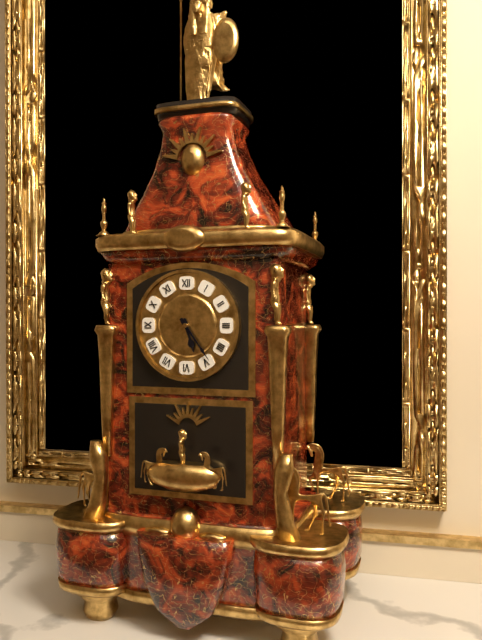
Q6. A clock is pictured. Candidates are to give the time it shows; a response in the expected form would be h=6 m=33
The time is h=5 m=24
